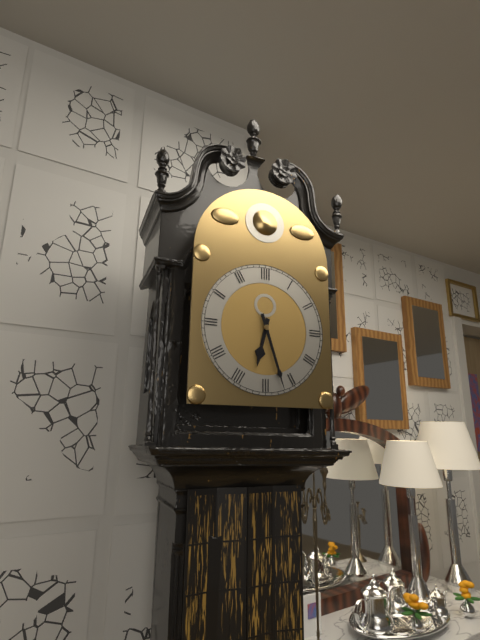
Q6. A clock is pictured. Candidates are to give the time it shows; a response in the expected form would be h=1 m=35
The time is h=6 m=27
